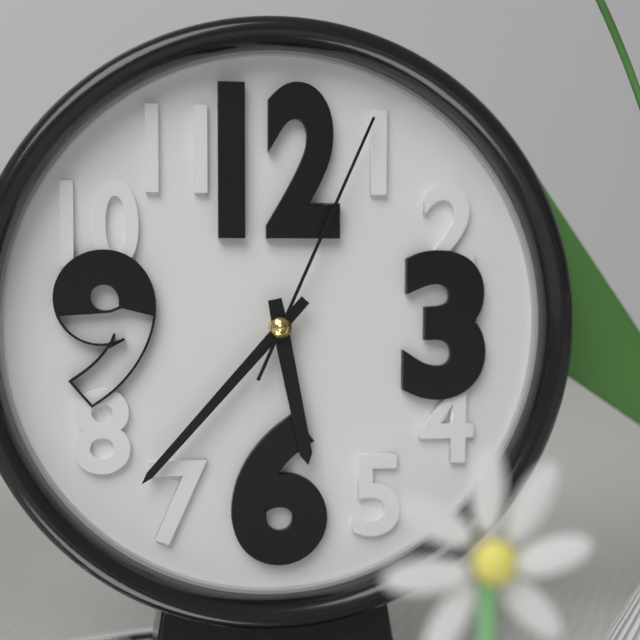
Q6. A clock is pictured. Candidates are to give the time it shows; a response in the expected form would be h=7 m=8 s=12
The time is h=5 m=37 s=4
